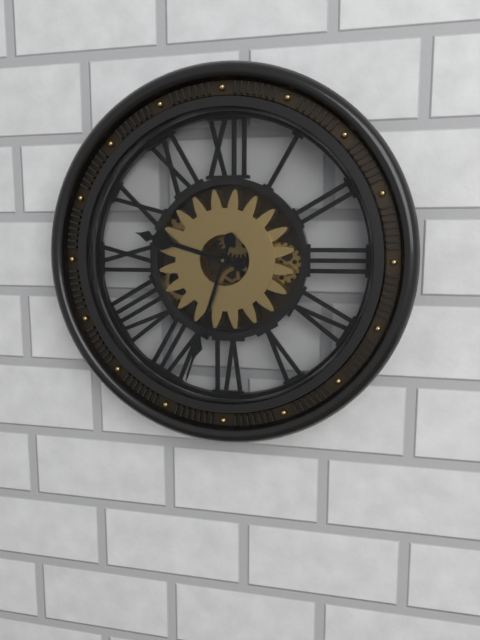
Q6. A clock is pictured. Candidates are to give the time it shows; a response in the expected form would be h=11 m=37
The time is h=9 m=33
